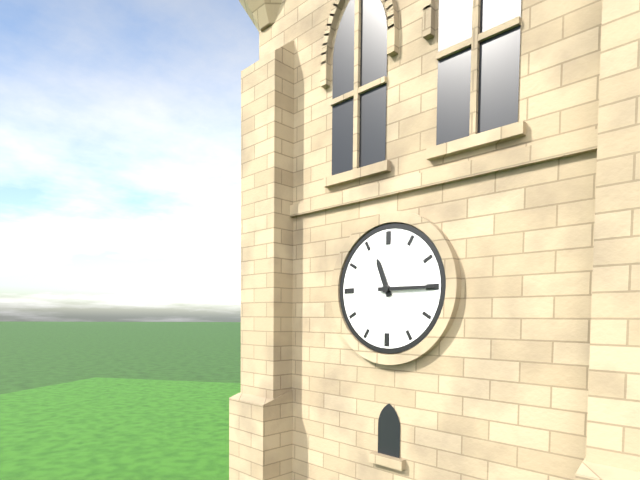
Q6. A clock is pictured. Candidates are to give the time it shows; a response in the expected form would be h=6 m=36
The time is h=11 m=15
